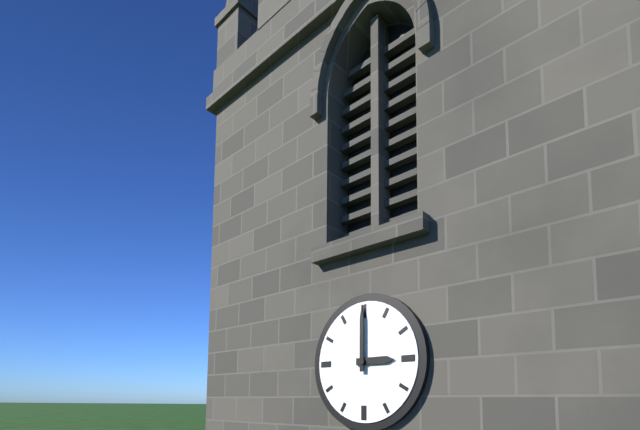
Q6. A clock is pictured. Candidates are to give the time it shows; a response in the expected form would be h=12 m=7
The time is h=3 m=0
